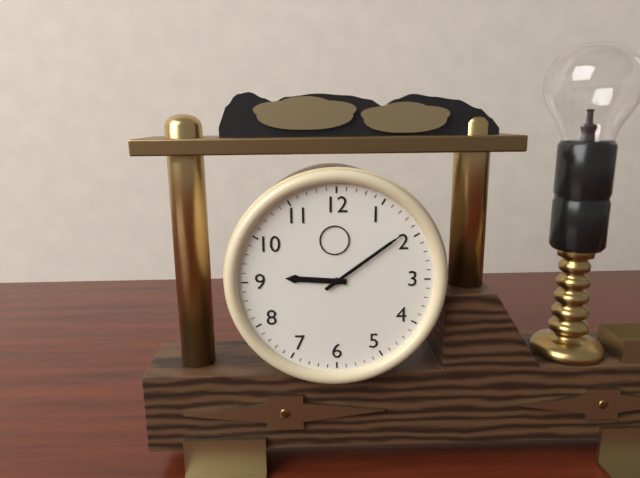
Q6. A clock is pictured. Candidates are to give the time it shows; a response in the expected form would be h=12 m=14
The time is h=9 m=9
